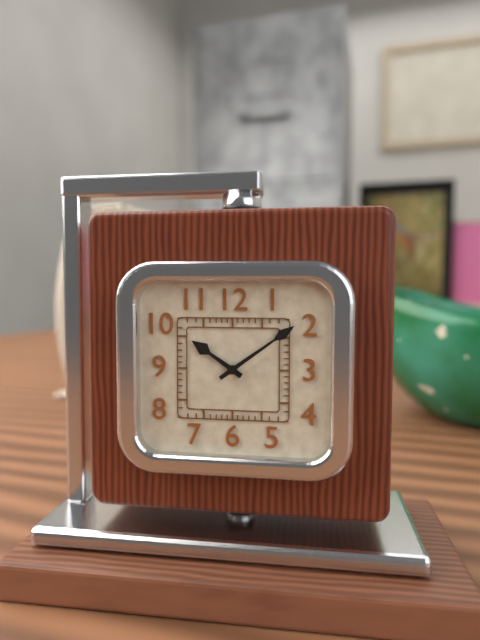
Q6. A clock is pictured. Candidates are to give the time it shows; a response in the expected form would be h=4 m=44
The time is h=10 m=9
